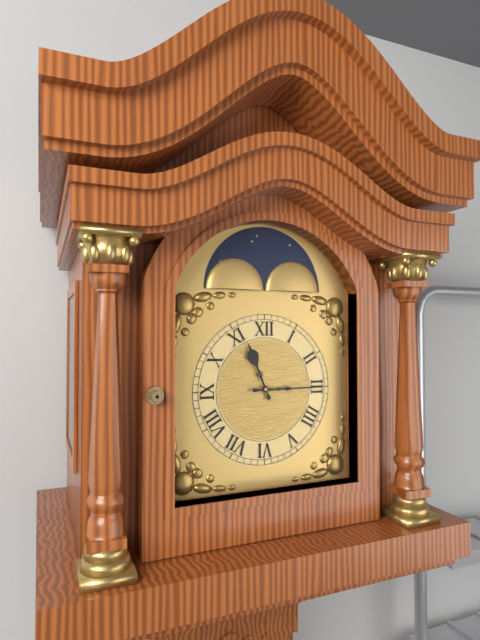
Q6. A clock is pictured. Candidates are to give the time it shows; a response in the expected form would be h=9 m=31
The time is h=11 m=15
